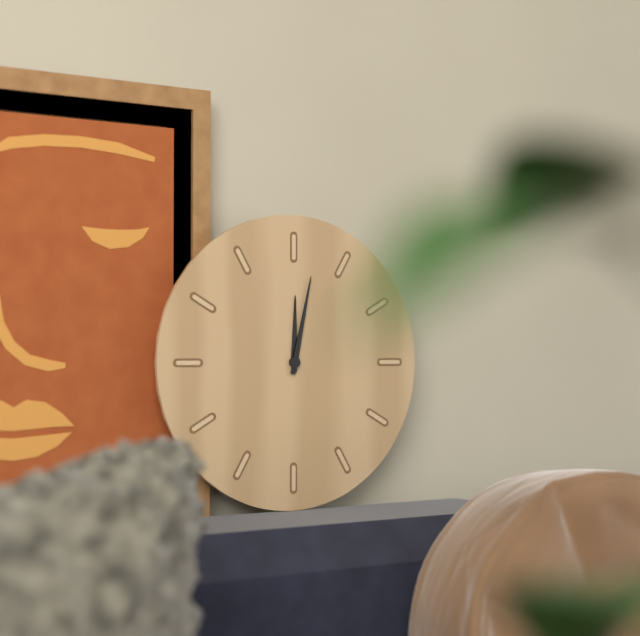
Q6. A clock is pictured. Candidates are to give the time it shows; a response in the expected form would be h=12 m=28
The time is h=12 m=2
